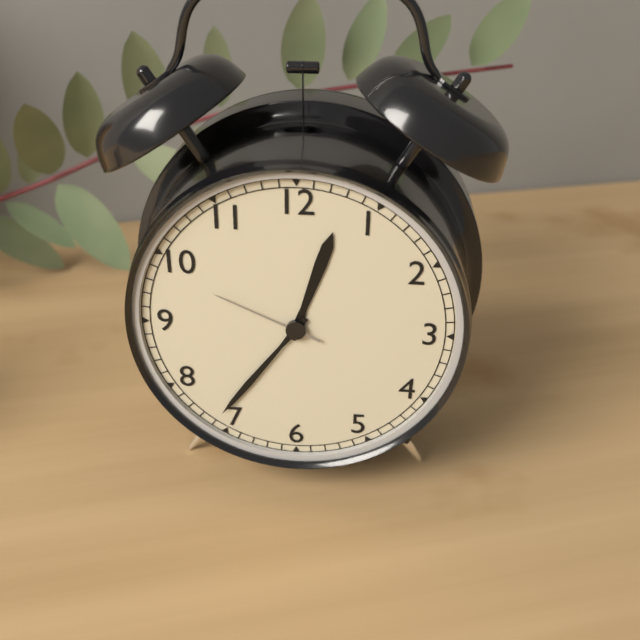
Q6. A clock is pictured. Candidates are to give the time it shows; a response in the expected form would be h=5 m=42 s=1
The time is h=12 m=36 s=49
